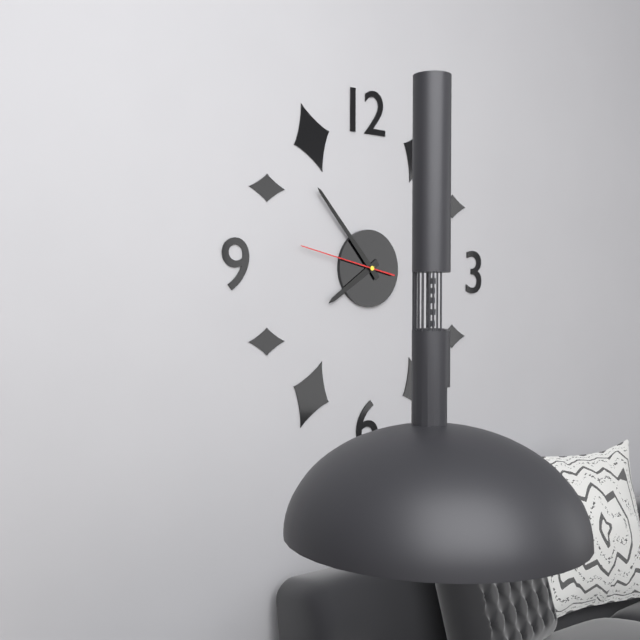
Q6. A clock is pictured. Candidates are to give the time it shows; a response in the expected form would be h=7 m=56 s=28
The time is h=7 m=53 s=47
